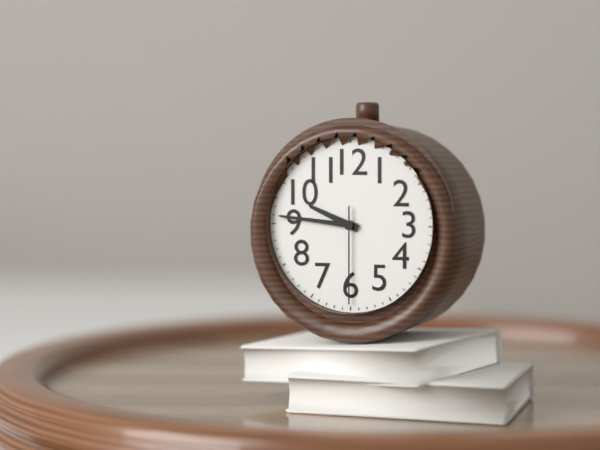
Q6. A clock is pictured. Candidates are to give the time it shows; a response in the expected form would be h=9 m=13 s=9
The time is h=9 m=46 s=30
